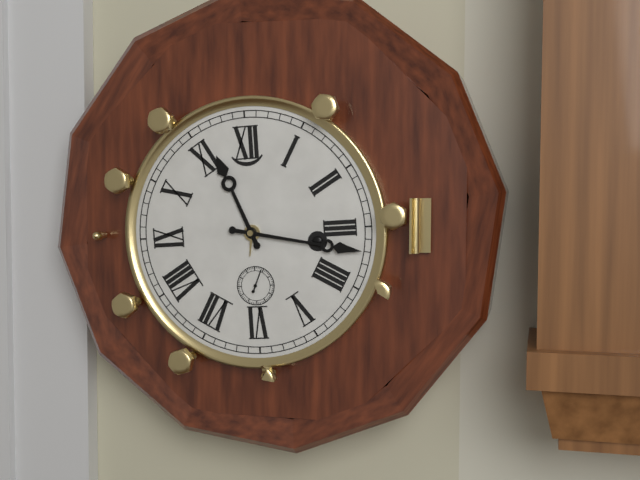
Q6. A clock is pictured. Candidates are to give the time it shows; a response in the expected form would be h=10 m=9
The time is h=11 m=17
